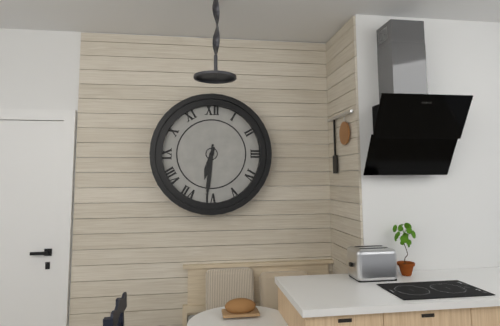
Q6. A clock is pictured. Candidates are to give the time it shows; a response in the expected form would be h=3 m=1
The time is h=6 m=31
